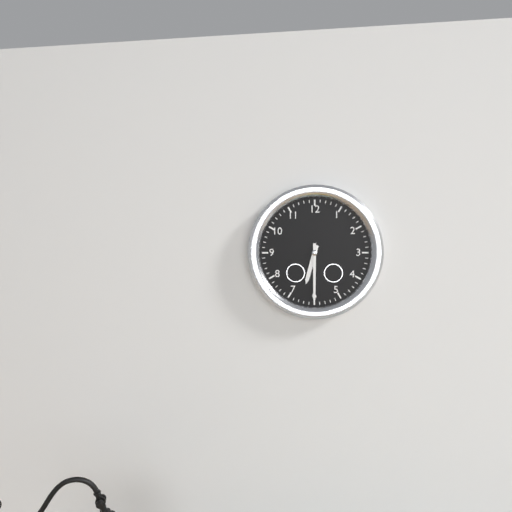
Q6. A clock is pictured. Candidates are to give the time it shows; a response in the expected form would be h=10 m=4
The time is h=6 m=30
